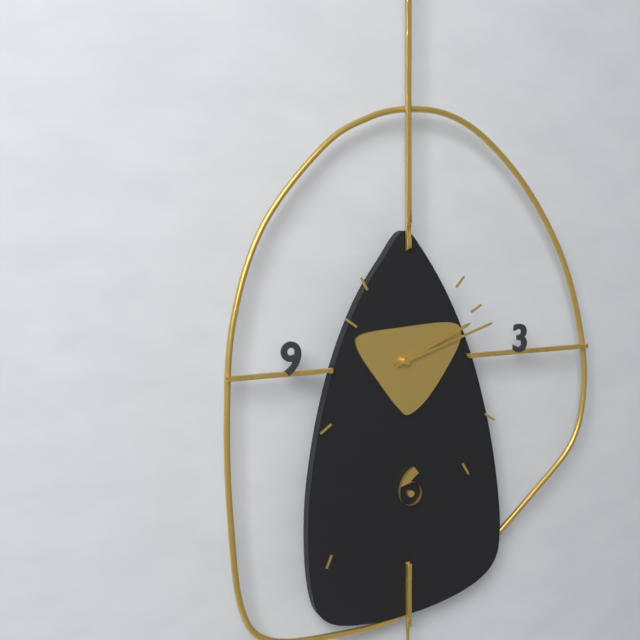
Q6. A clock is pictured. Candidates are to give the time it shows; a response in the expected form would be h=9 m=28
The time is h=2 m=12
